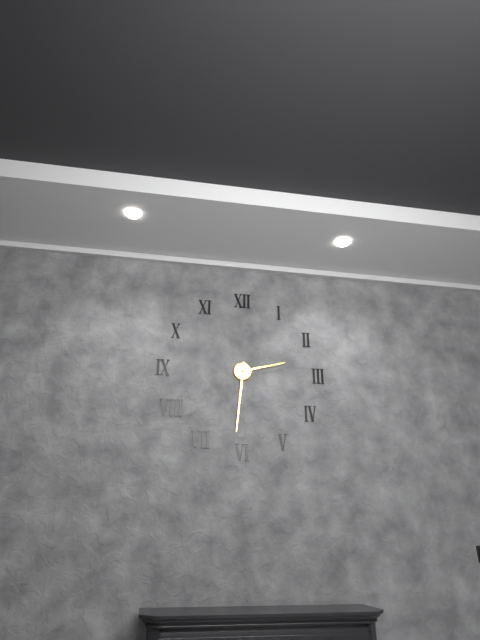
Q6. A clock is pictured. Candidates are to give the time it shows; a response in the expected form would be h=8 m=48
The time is h=2 m=31
